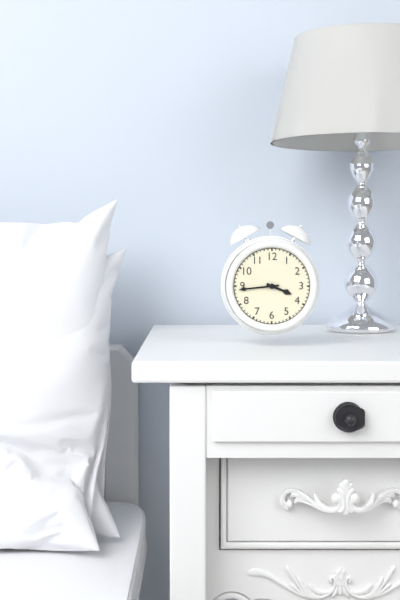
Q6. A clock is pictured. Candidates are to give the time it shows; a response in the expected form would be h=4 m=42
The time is h=3 m=44
